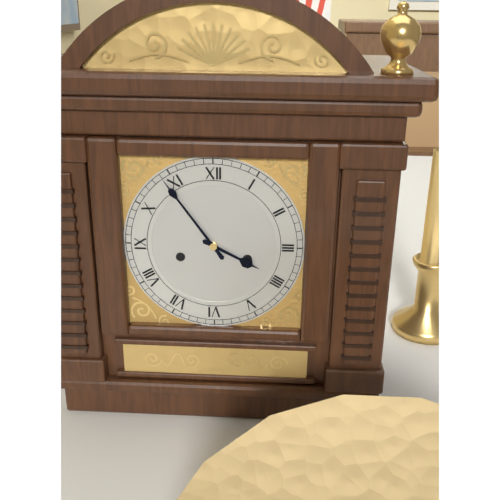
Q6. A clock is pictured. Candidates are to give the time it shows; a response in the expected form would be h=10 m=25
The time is h=3 m=54
